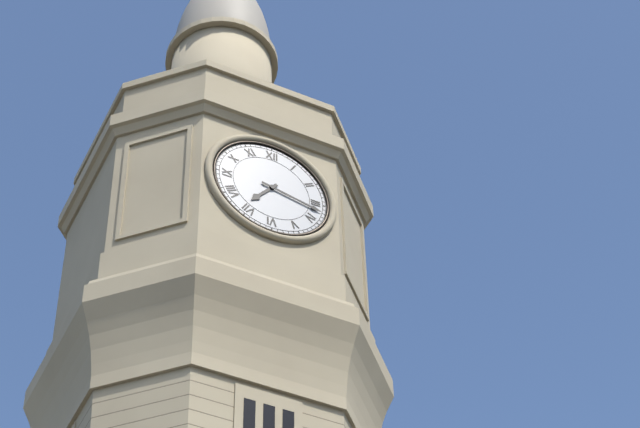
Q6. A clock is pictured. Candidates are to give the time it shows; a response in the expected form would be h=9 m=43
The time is h=7 m=17
